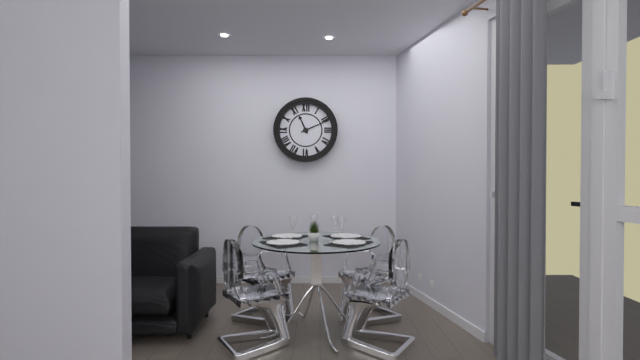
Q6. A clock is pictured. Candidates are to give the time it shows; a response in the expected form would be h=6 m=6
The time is h=11 m=11
